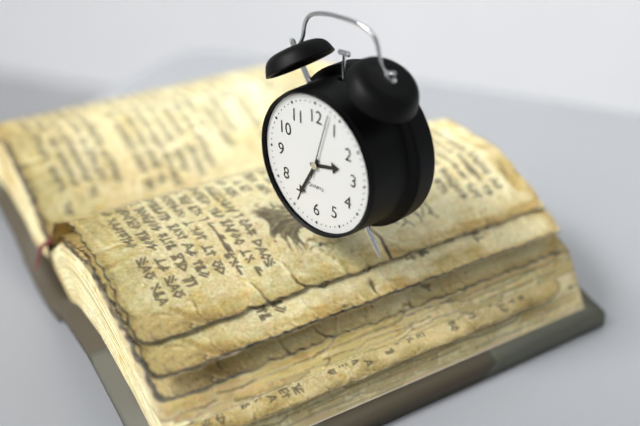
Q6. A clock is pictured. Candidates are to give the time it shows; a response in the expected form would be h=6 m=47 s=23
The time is h=2 m=35 s=3
